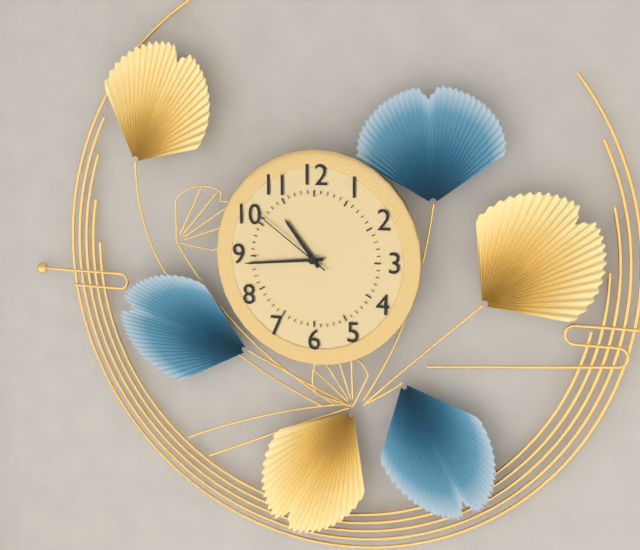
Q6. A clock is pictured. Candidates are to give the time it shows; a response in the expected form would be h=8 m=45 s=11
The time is h=10 m=44 s=51
